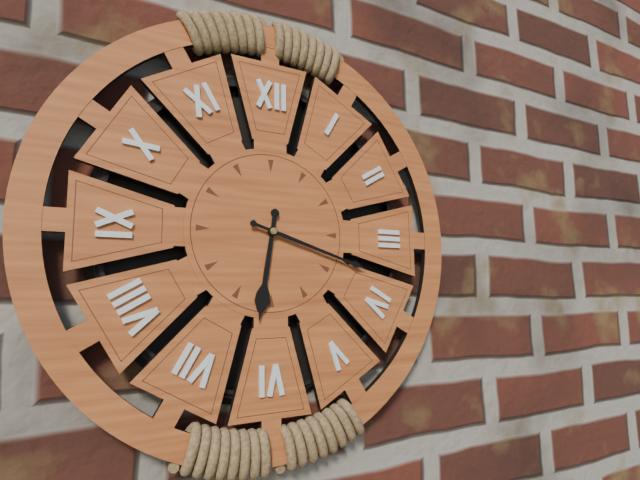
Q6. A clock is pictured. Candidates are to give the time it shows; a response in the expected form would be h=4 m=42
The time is h=6 m=18
